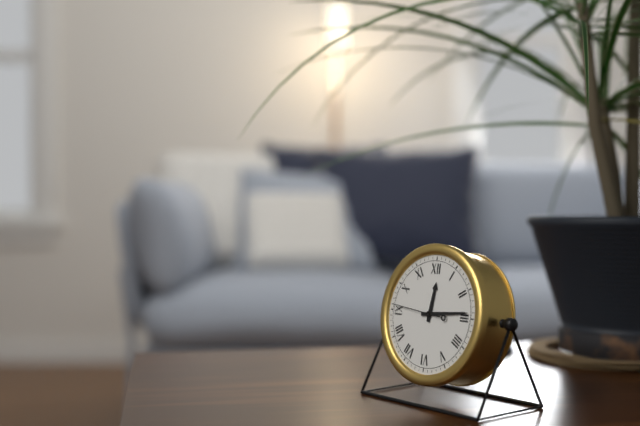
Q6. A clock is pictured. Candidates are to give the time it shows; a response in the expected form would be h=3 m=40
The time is h=12 m=14
